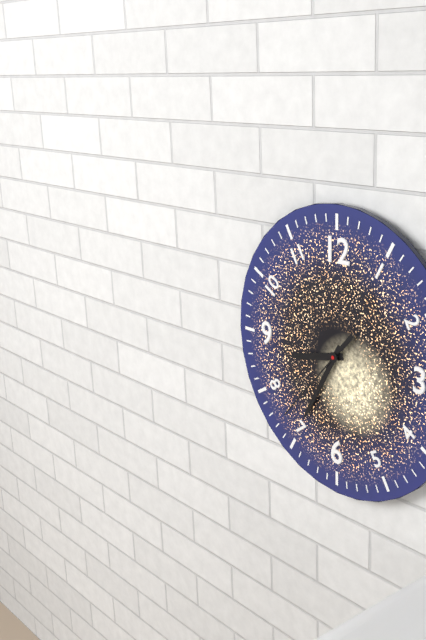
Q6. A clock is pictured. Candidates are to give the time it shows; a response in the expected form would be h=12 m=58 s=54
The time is h=8 m=35 s=37
